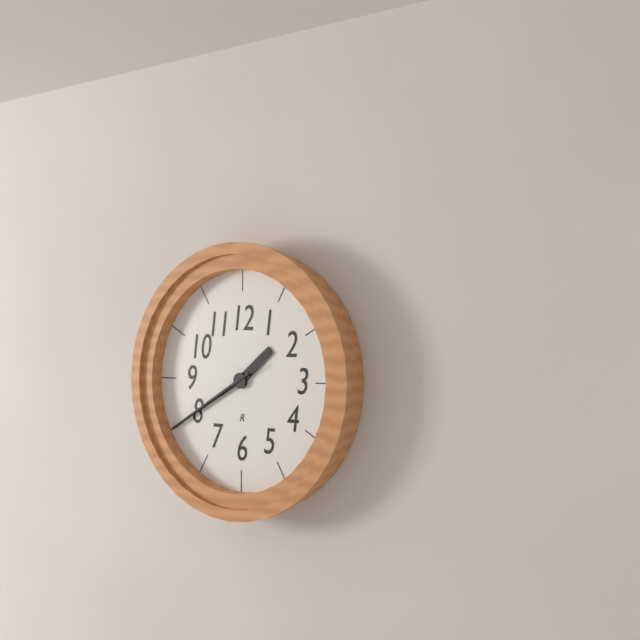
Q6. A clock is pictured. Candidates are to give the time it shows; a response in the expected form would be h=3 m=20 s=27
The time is h=1 m=40 s=40
